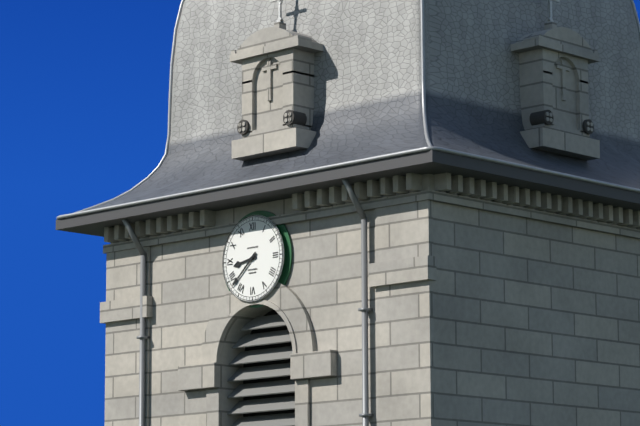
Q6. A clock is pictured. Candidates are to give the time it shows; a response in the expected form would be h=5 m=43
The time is h=8 m=38
